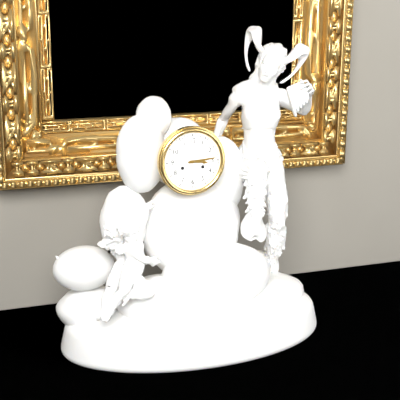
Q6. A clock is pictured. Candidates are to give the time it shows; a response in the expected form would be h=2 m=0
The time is h=3 m=14
